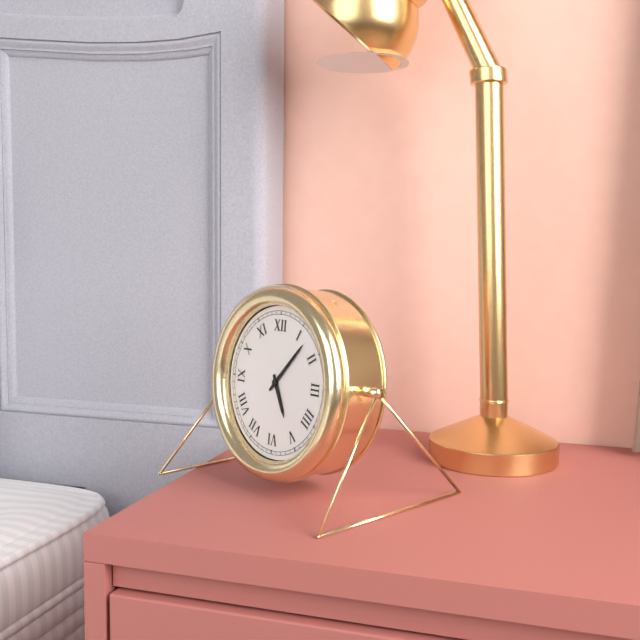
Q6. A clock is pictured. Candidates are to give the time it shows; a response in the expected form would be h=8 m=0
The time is h=5 m=7
